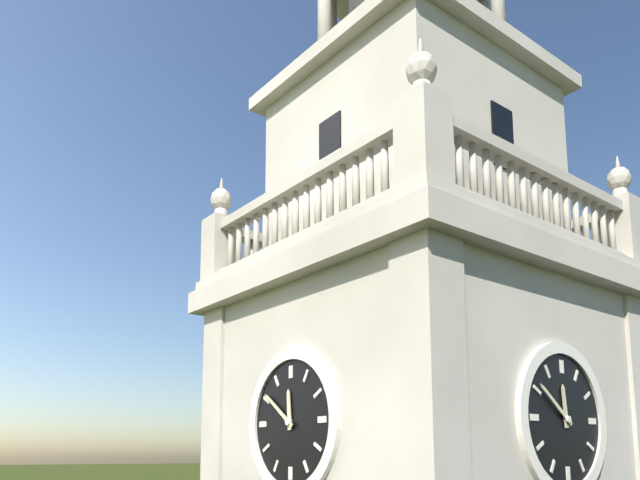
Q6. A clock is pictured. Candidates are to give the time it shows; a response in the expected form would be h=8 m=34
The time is h=11 m=51
